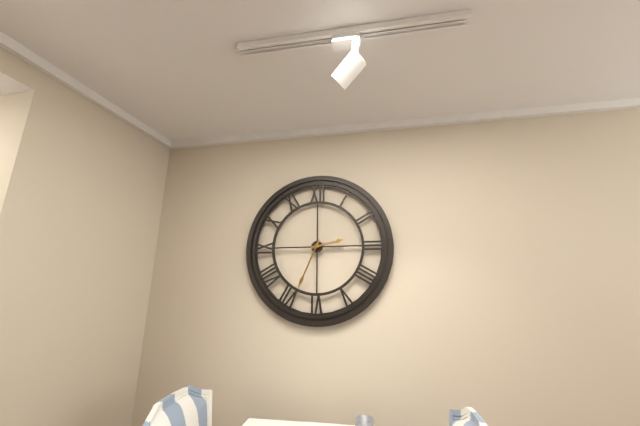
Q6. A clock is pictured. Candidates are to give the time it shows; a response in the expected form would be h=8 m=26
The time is h=2 m=34
